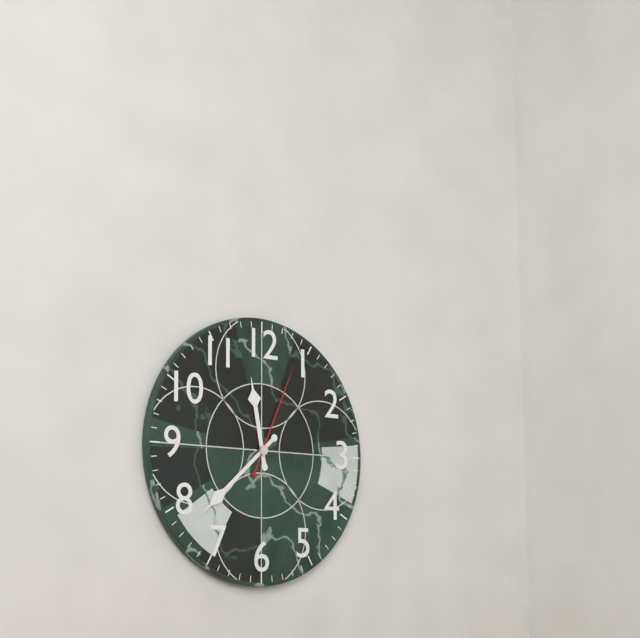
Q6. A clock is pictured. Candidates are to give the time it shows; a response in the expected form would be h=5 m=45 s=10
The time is h=11 m=38 s=4
